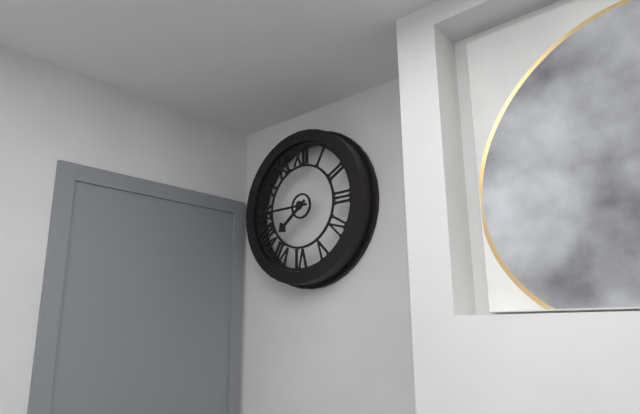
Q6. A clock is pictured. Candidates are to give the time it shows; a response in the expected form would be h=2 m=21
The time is h=7 m=45
